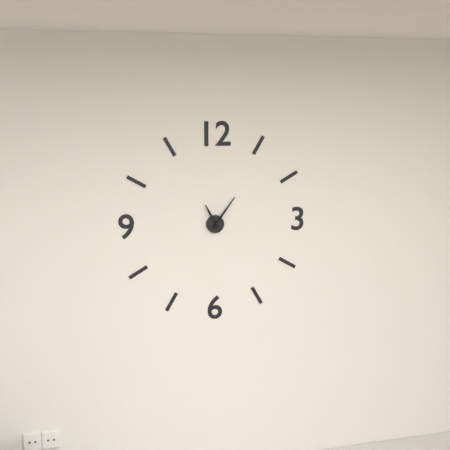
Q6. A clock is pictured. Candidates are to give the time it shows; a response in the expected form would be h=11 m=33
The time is h=11 m=6
